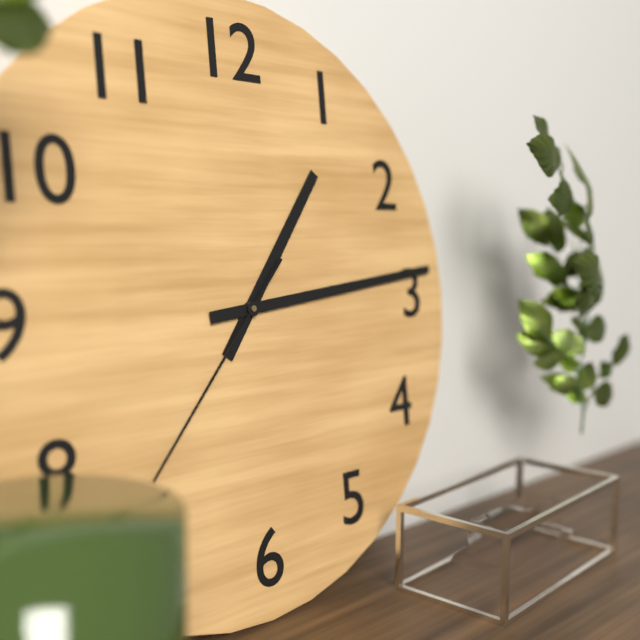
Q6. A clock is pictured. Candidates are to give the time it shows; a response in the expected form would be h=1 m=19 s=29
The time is h=1 m=14 s=37
